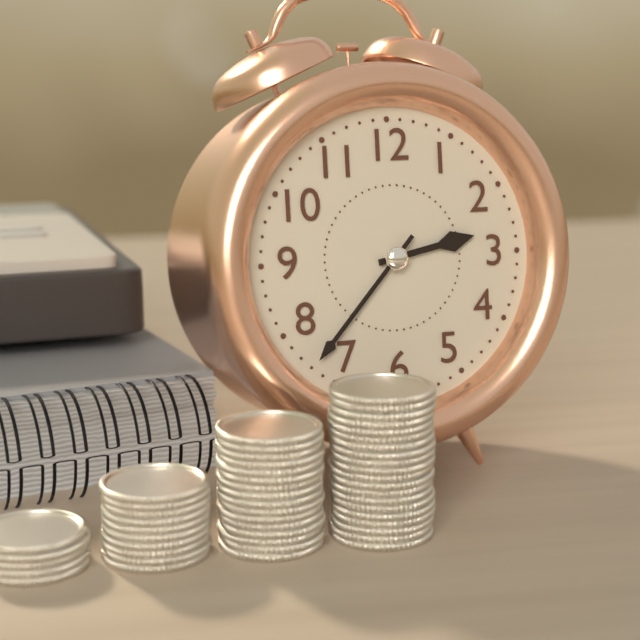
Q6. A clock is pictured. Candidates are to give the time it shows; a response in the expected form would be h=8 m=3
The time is h=2 m=37
